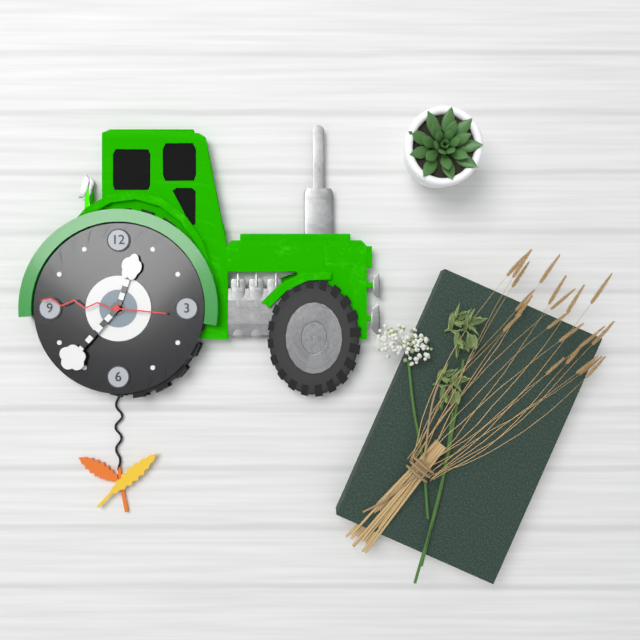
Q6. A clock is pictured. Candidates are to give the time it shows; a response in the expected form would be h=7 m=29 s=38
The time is h=12 m=37 s=46
